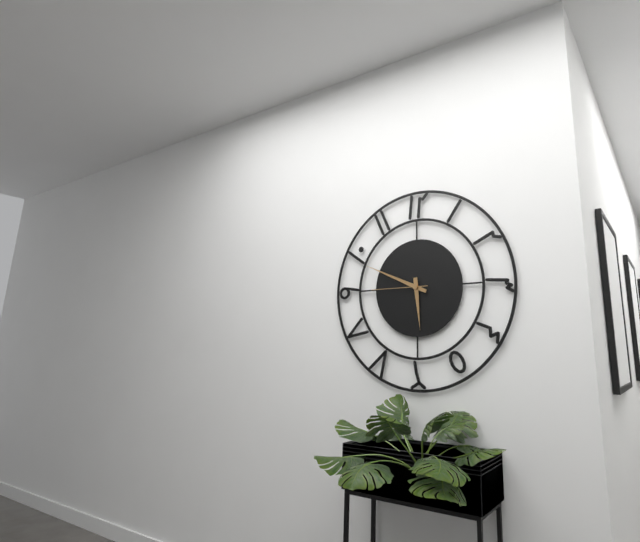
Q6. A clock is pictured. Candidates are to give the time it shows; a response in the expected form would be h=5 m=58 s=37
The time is h=5 m=49 s=45
